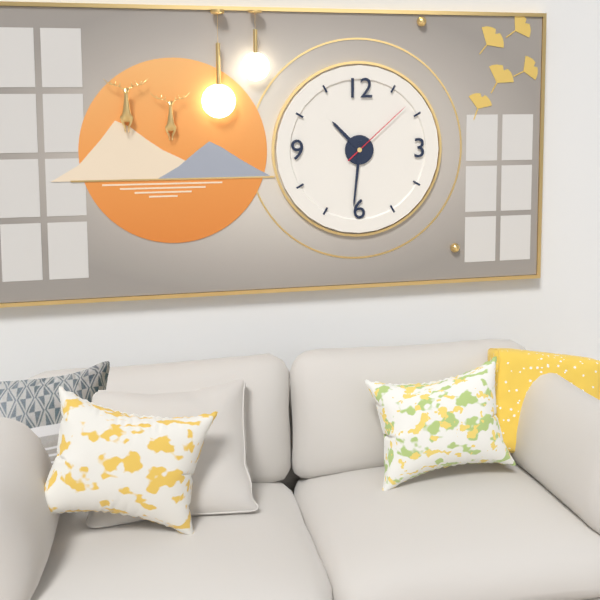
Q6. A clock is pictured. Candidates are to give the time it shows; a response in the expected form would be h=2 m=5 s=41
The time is h=10 m=31 s=8
